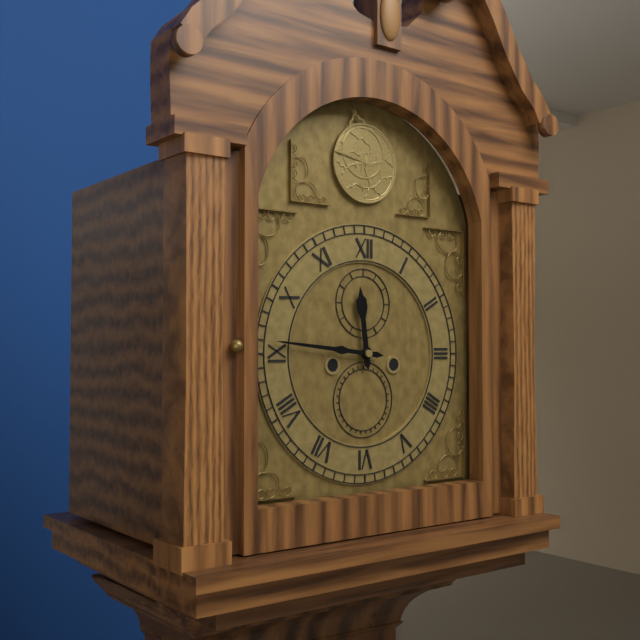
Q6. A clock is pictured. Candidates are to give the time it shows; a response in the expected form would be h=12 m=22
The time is h=11 m=46
